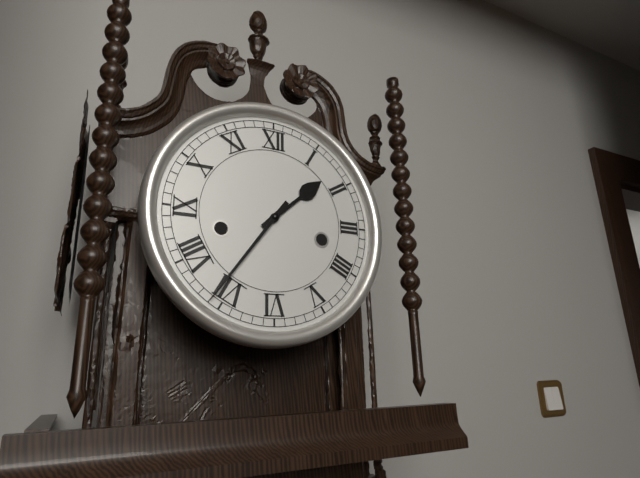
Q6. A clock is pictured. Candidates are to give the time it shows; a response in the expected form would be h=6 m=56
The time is h=1 m=36
